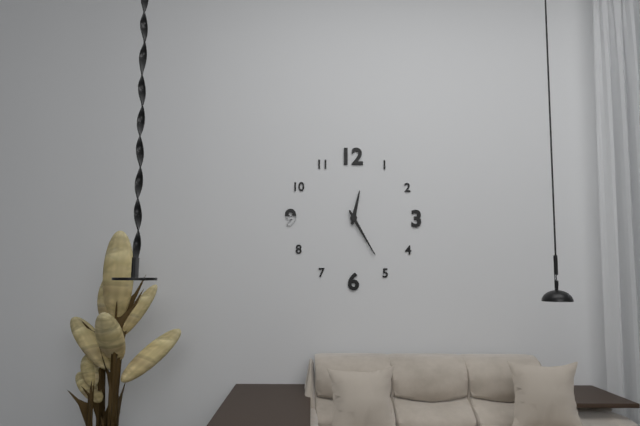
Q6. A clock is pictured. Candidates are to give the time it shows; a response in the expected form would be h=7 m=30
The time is h=12 m=25
